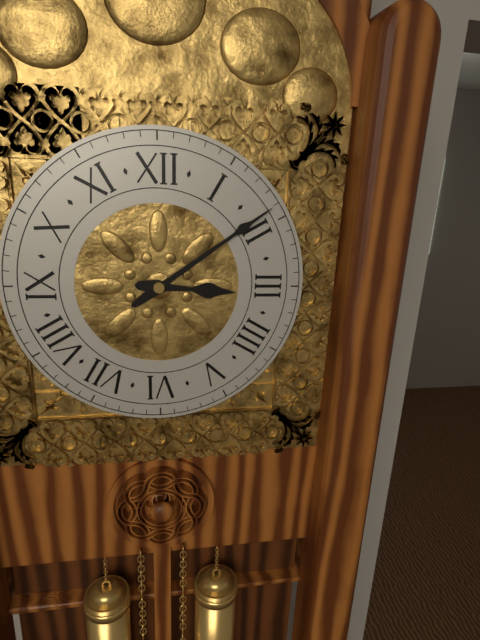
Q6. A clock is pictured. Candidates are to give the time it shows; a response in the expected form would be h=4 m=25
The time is h=3 m=9
